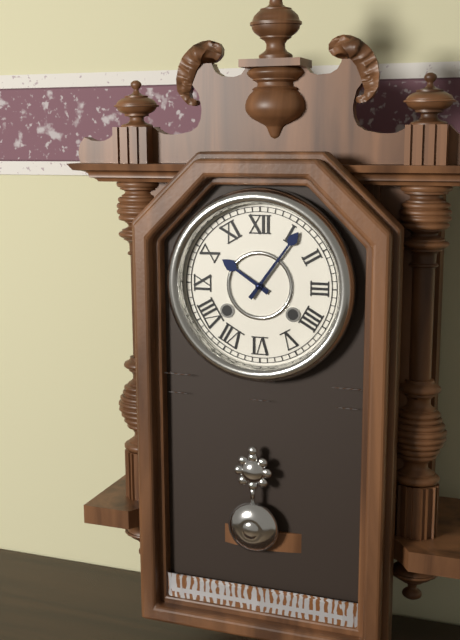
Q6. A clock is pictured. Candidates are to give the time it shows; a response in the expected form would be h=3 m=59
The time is h=10 m=6
